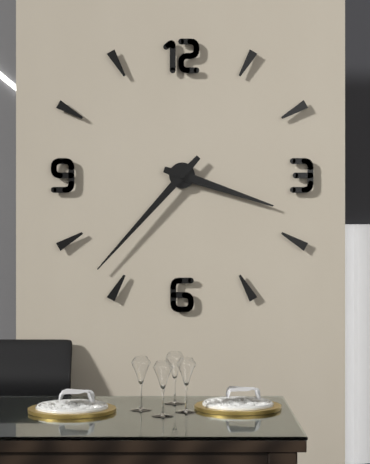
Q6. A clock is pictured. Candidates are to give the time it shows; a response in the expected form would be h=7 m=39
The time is h=3 m=37
